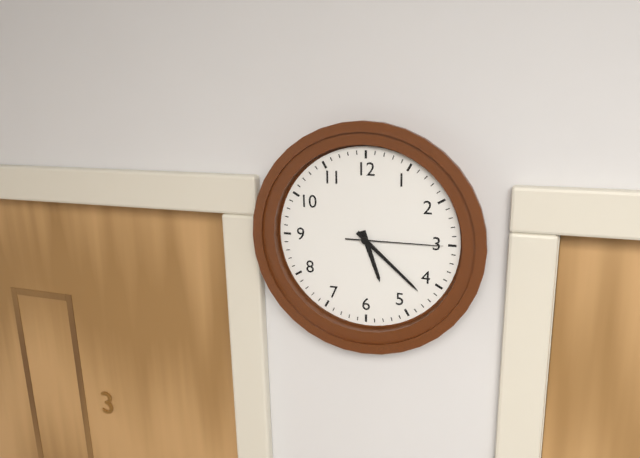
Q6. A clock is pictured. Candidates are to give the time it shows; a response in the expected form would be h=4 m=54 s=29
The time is h=5 m=22 s=15
